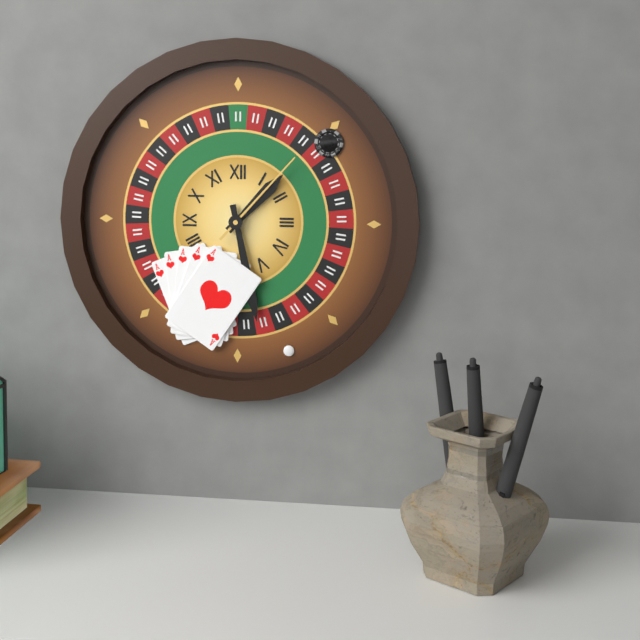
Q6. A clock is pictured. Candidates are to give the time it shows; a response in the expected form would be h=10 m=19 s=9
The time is h=1 m=28 s=7
